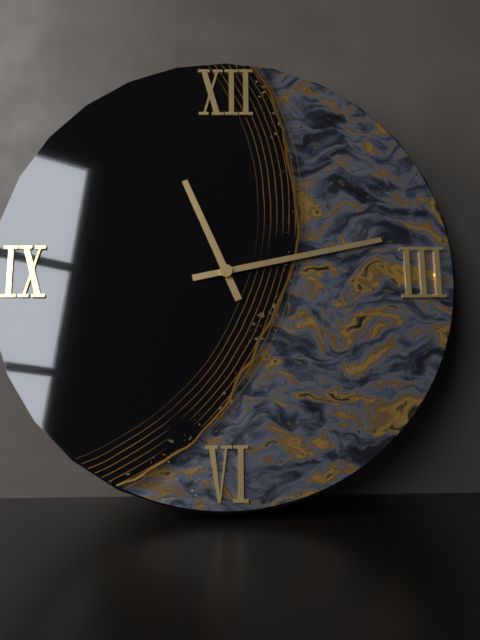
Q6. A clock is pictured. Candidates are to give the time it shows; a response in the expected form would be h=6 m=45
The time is h=11 m=13
